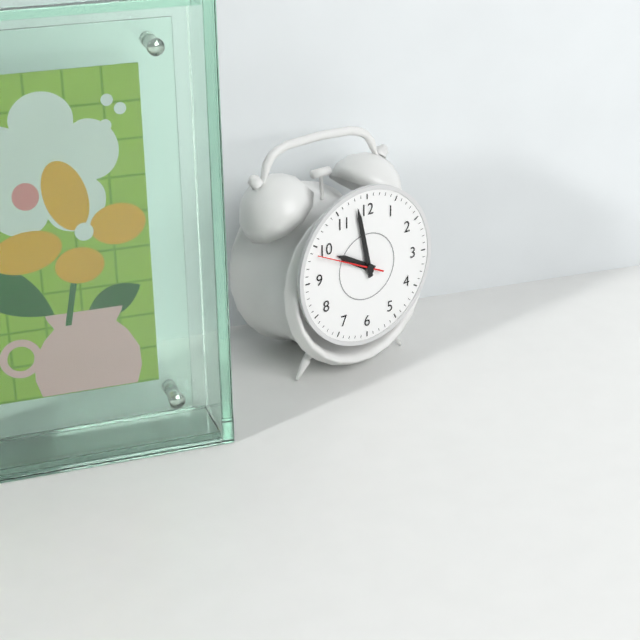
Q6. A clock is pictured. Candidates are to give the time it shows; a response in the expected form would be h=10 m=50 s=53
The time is h=9 m=58 s=49
